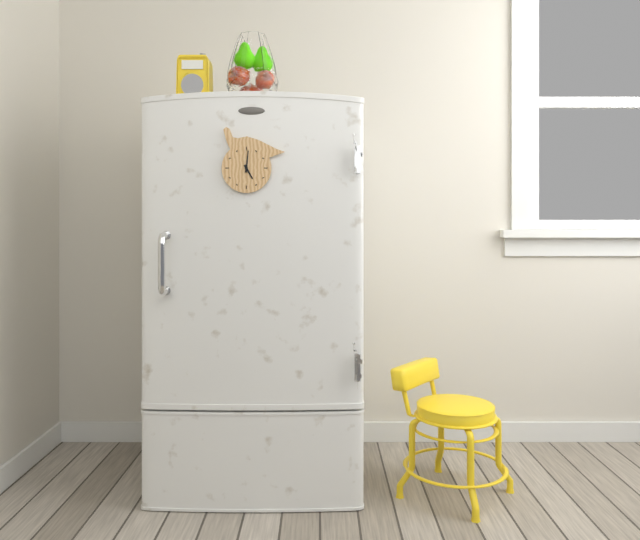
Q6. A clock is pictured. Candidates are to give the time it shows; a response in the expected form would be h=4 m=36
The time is h=5 m=1
